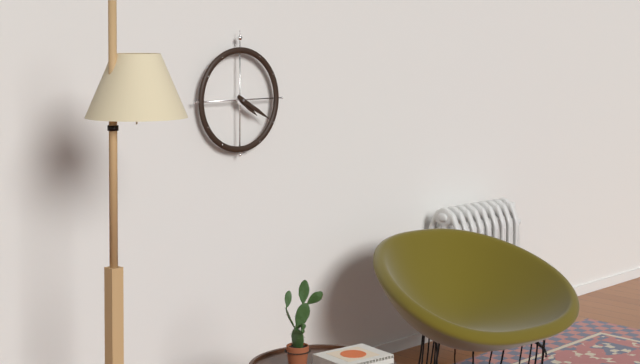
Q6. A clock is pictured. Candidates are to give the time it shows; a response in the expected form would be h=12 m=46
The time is h=4 m=20
